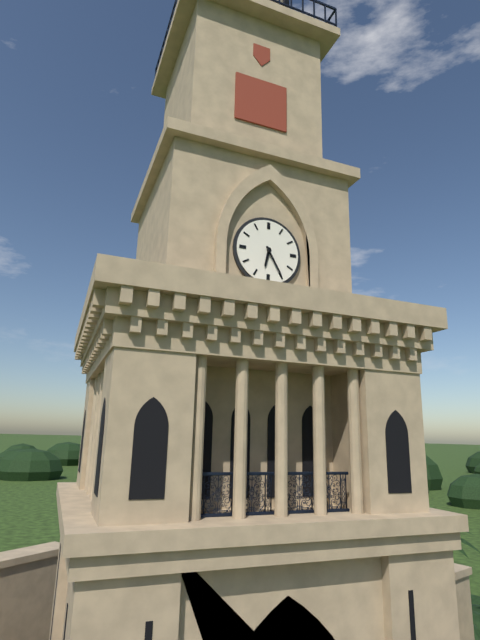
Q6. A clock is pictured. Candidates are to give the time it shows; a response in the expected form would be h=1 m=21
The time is h=6 m=25
